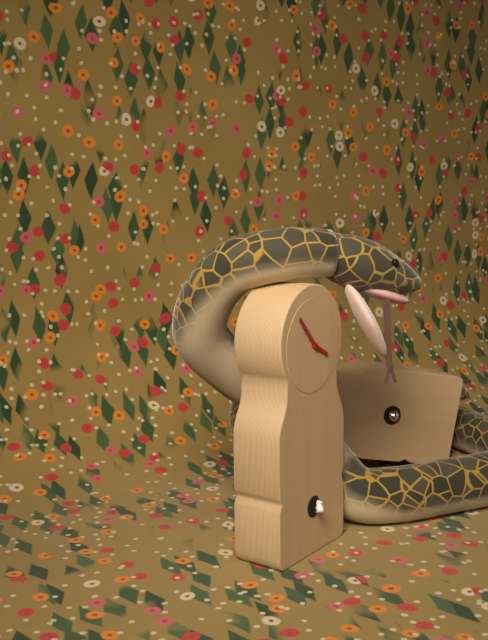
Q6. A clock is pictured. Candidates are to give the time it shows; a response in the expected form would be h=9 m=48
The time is h=3 m=53
